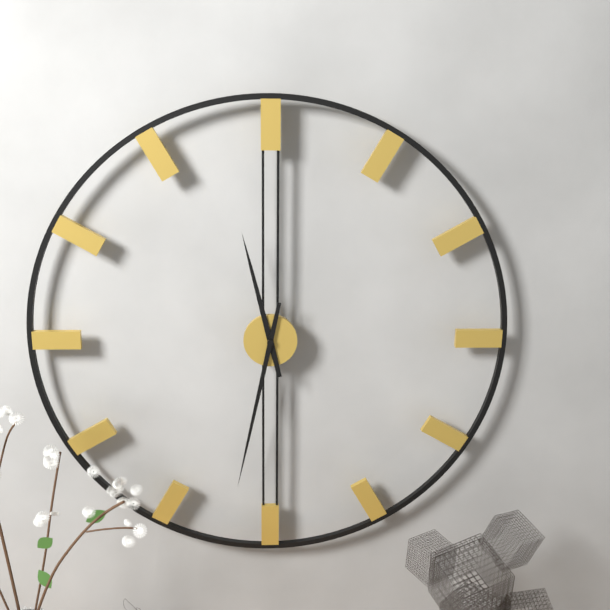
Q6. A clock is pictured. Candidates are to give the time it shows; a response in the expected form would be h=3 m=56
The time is h=11 m=32
